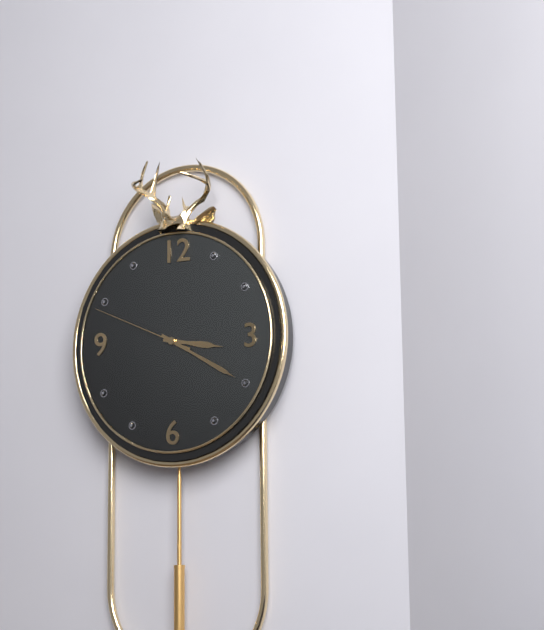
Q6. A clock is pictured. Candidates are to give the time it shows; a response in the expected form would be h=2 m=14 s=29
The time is h=3 m=20 s=49
